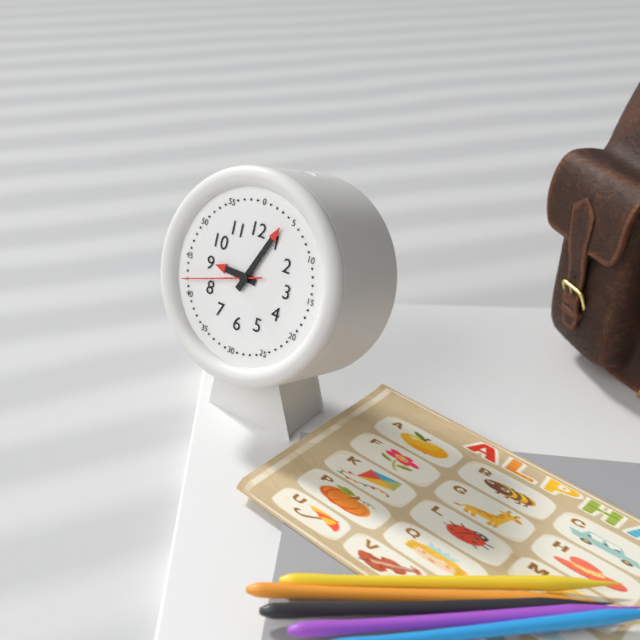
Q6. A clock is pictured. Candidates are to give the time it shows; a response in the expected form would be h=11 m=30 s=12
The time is h=9 m=4 s=42
